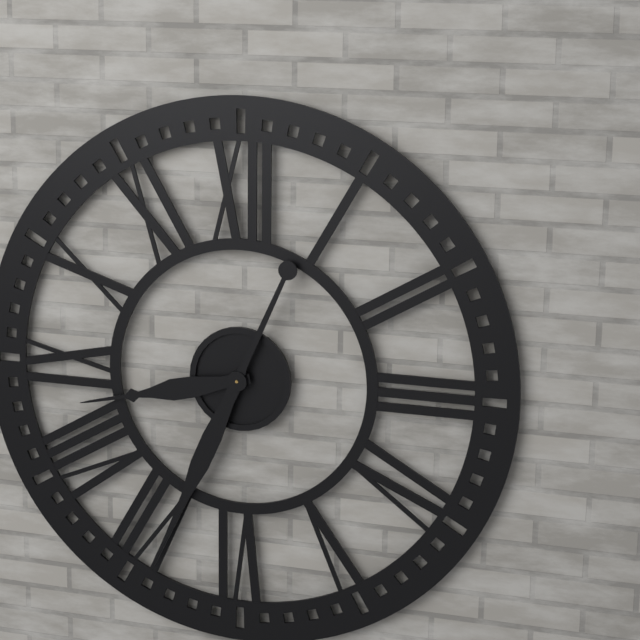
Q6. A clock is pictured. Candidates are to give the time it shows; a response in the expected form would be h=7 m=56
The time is h=8 m=34
